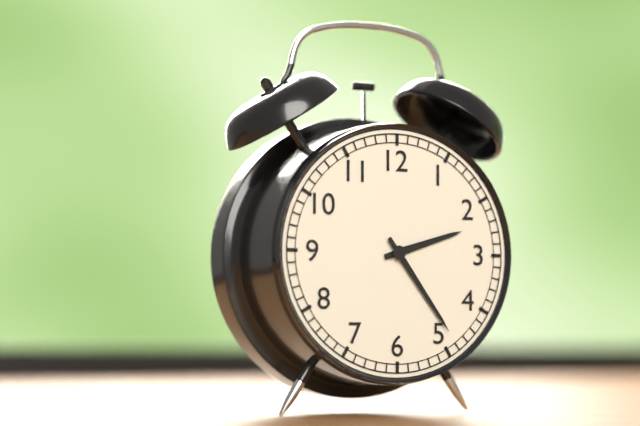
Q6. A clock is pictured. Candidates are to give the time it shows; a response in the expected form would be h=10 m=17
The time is h=2 m=24
